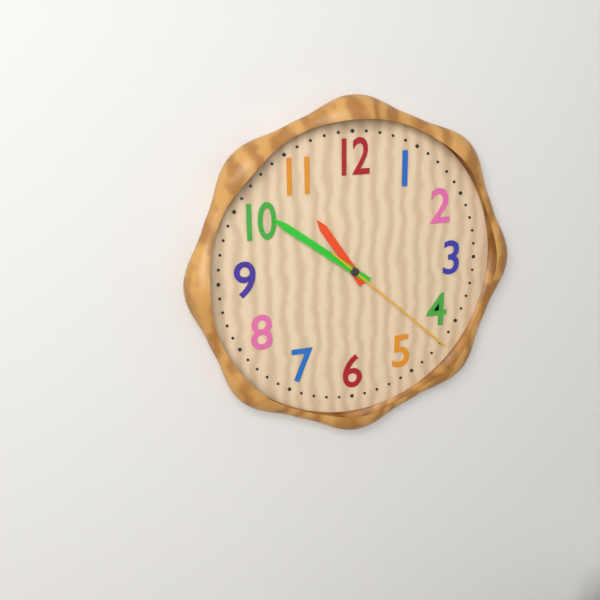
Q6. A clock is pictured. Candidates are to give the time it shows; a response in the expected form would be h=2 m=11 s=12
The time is h=10 m=51 s=22
